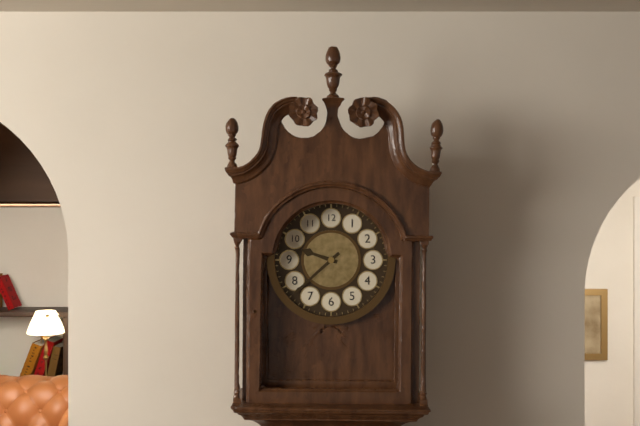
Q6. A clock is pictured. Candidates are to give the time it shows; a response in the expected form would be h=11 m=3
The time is h=9 m=38
